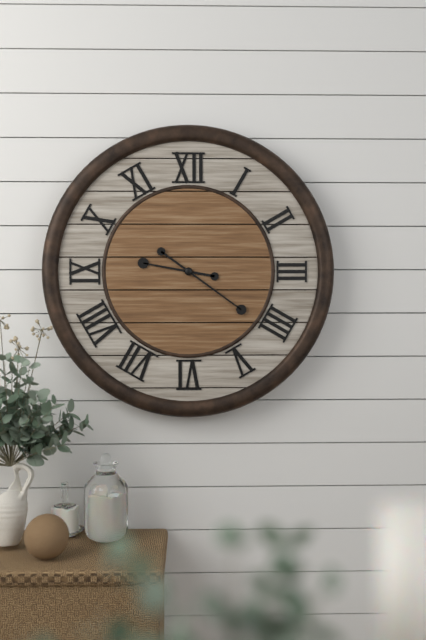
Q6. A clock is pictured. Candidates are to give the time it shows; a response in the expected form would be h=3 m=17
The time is h=9 m=21
